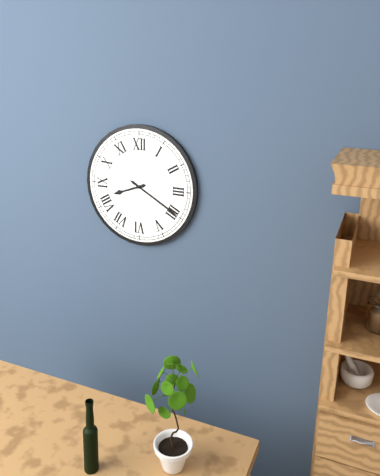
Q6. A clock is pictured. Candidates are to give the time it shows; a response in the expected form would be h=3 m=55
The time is h=8 m=20
